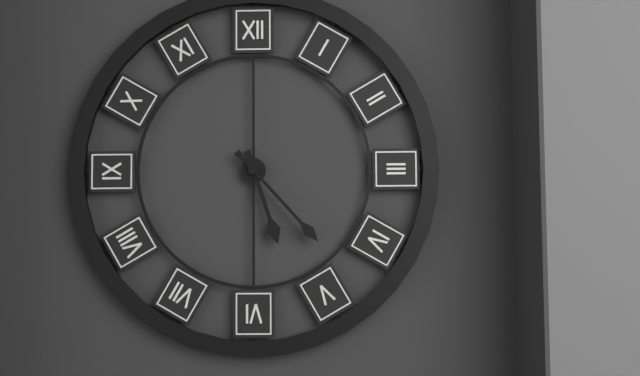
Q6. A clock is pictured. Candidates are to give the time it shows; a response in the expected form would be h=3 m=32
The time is h=5 m=23
